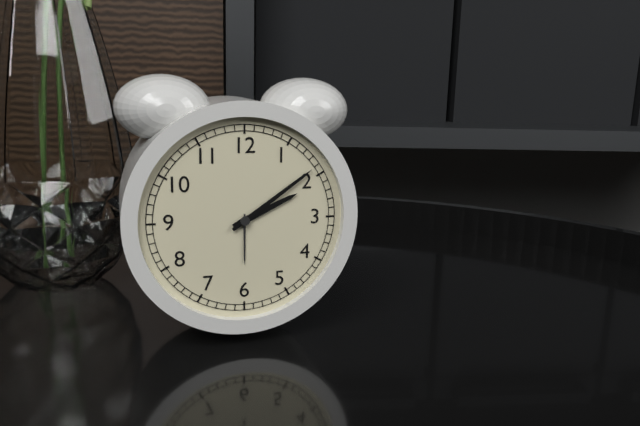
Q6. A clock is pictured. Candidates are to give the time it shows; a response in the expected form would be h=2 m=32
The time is h=2 m=9
